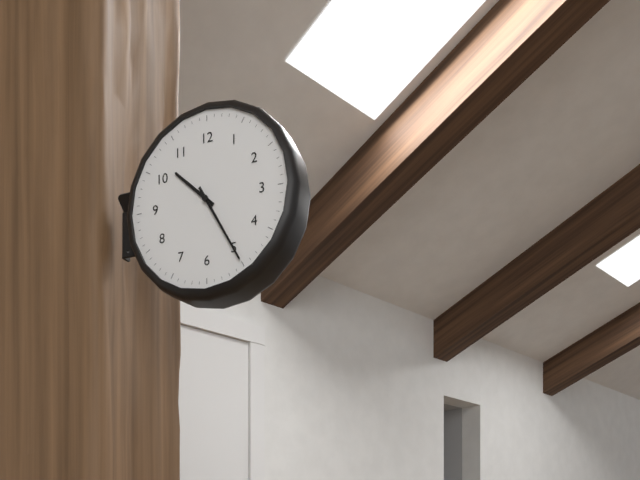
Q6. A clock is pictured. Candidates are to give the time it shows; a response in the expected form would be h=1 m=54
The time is h=10 m=25
